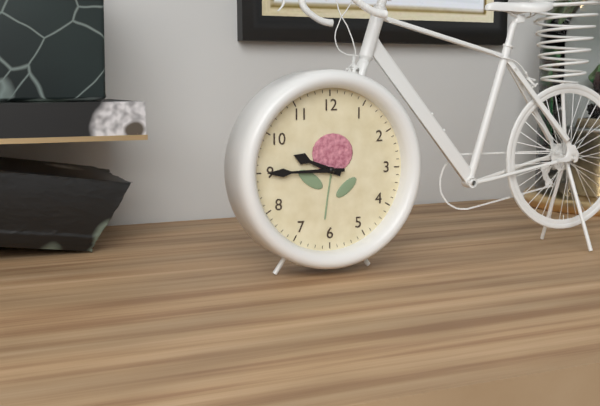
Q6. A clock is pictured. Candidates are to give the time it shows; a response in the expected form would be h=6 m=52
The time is h=9 m=45
